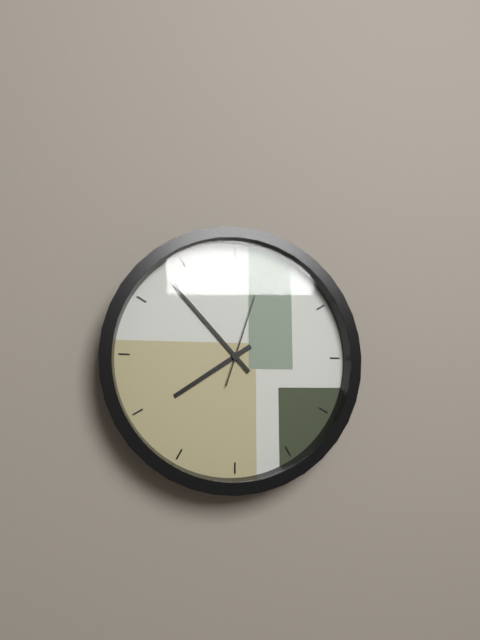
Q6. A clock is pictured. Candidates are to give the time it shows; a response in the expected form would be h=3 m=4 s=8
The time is h=7 m=53 s=3
